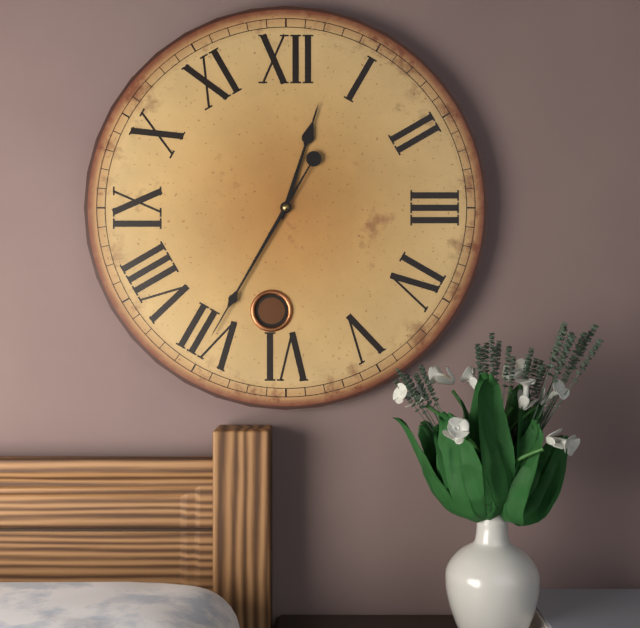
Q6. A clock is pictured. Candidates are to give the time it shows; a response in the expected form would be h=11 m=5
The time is h=12 m=35
